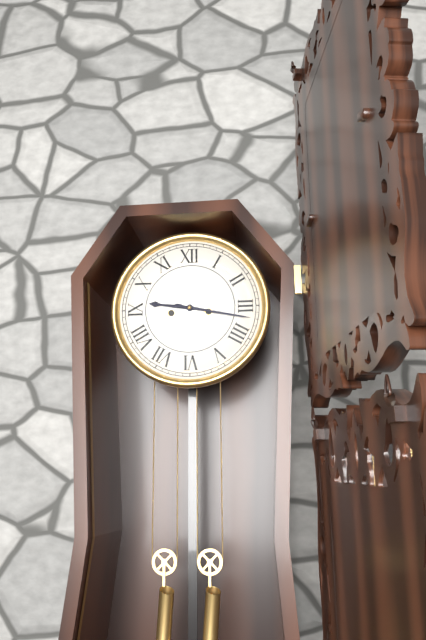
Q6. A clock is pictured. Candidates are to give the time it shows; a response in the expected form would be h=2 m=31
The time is h=9 m=17
